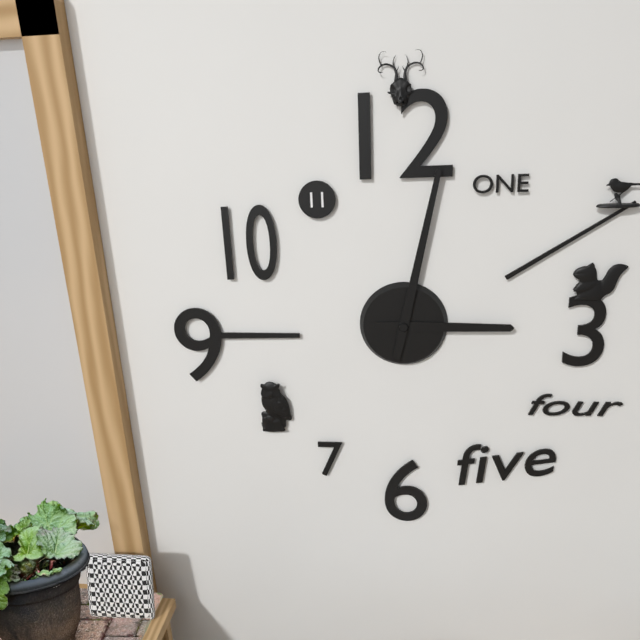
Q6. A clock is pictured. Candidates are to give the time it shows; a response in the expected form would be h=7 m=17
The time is h=3 m=2
